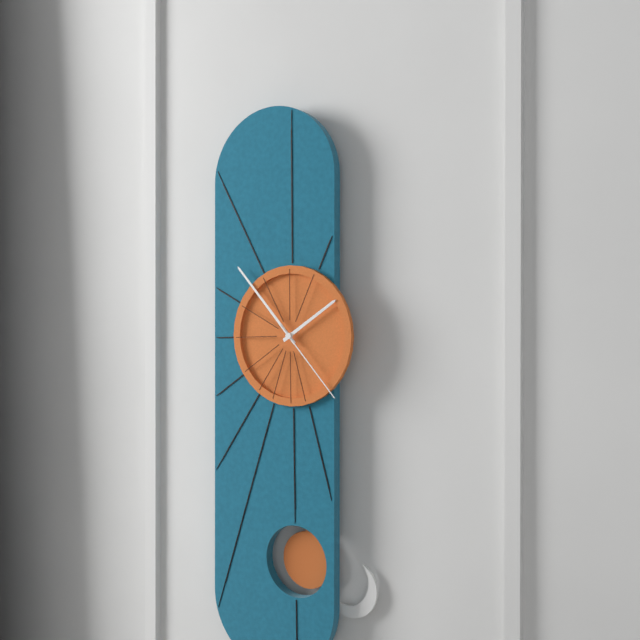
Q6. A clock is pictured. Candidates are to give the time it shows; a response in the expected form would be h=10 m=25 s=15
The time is h=1 m=53 s=23
